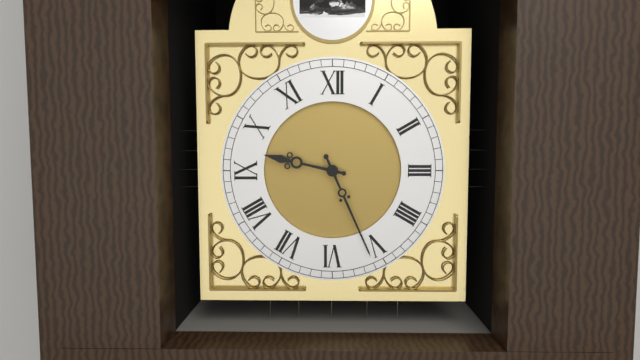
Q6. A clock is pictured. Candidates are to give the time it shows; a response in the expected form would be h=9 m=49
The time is h=9 m=26
